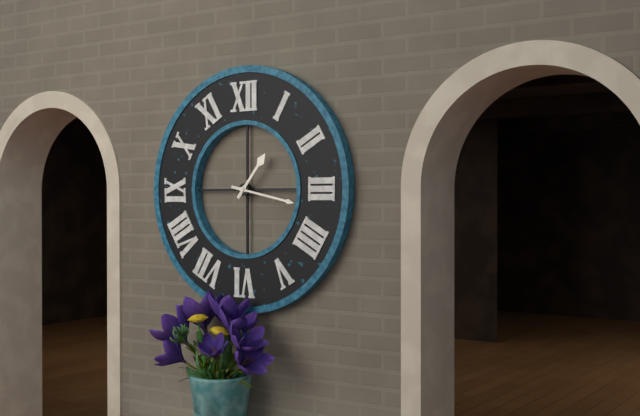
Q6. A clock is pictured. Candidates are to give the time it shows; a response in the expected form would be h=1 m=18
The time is h=1 m=17
